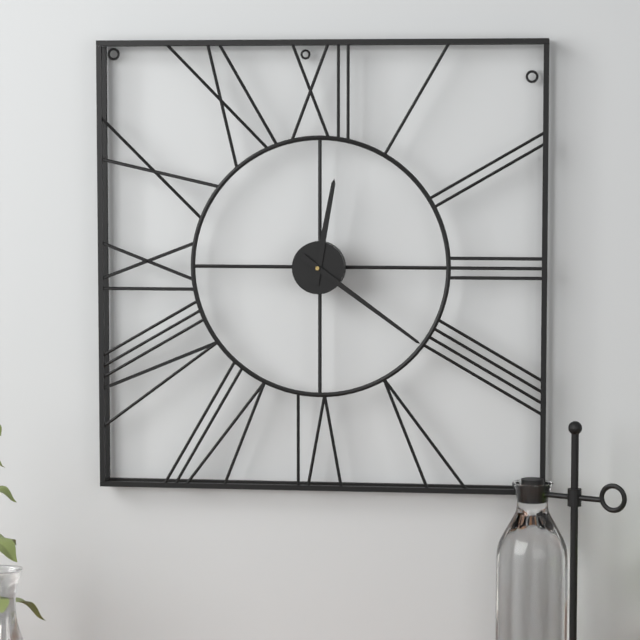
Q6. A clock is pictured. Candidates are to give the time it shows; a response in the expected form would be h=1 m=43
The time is h=12 m=21
